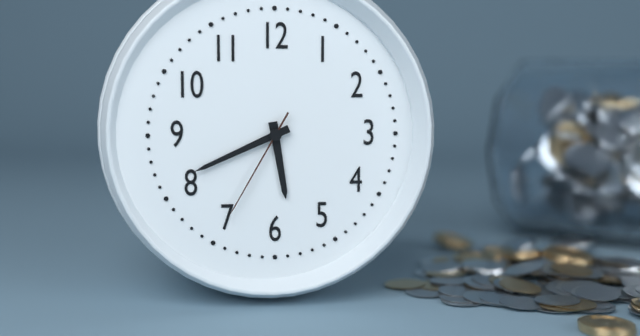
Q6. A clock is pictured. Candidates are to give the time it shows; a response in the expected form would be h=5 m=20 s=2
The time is h=5 m=41 s=35
